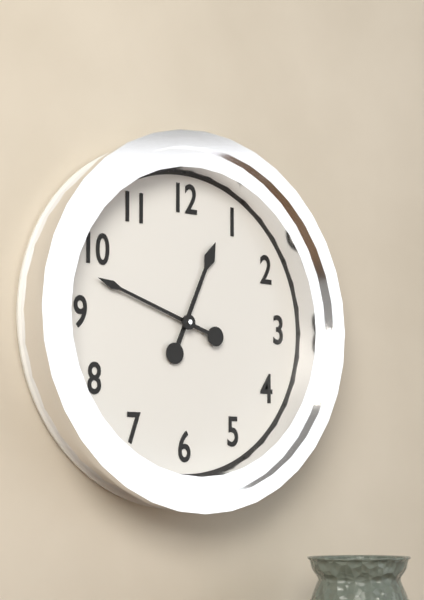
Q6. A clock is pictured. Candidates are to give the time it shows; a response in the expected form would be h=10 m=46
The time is h=12 m=48
